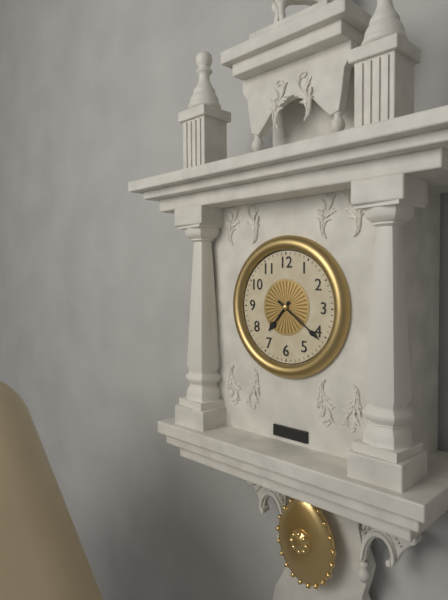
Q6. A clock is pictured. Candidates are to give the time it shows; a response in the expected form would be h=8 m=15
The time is h=7 m=21
